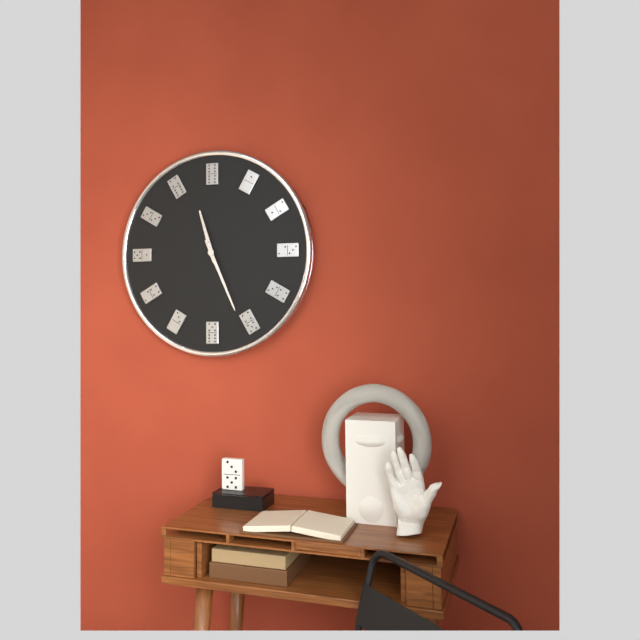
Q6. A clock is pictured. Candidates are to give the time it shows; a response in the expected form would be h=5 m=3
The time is h=11 m=26
